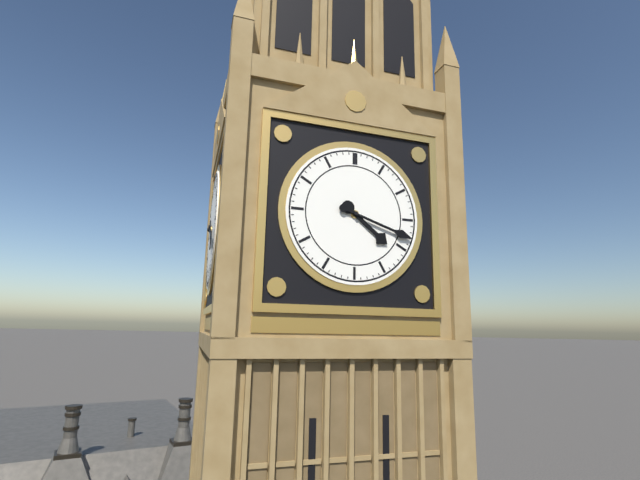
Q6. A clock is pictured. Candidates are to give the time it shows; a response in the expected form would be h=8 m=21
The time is h=4 m=18
